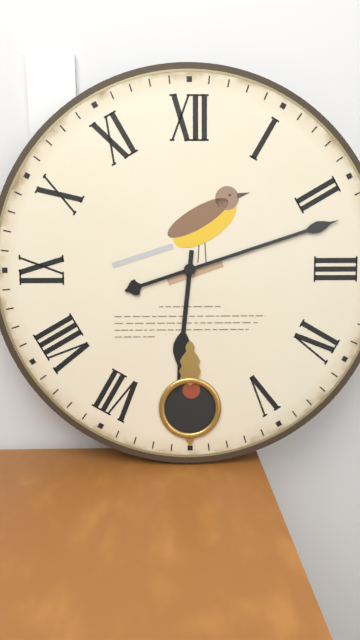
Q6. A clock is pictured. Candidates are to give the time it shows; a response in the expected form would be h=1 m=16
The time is h=6 m=12
